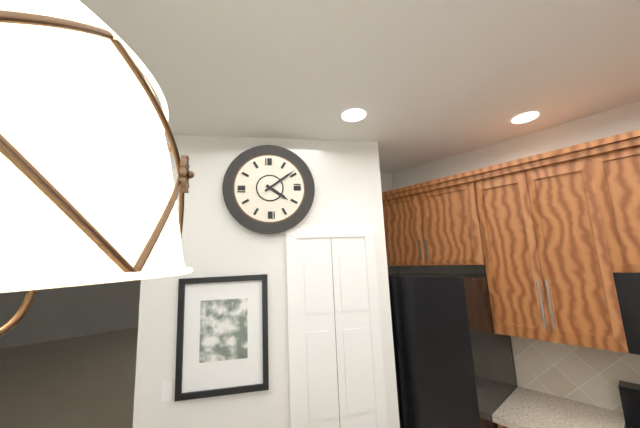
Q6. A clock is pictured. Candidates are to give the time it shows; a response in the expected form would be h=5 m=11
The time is h=4 m=9
